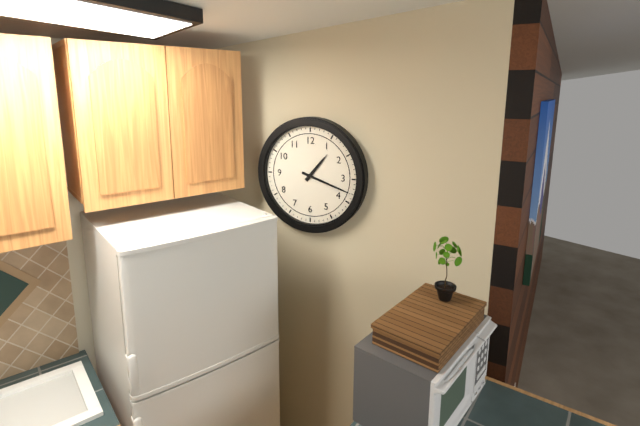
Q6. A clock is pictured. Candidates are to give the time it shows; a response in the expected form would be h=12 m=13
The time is h=1 m=18
